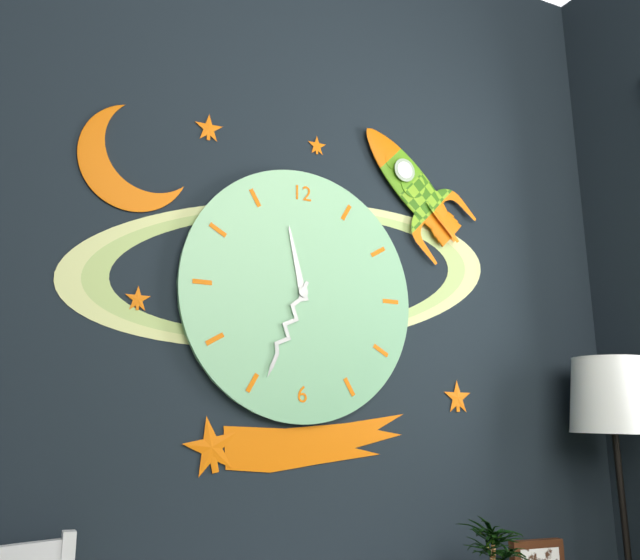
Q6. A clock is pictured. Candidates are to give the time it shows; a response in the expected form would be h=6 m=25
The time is h=11 m=34
